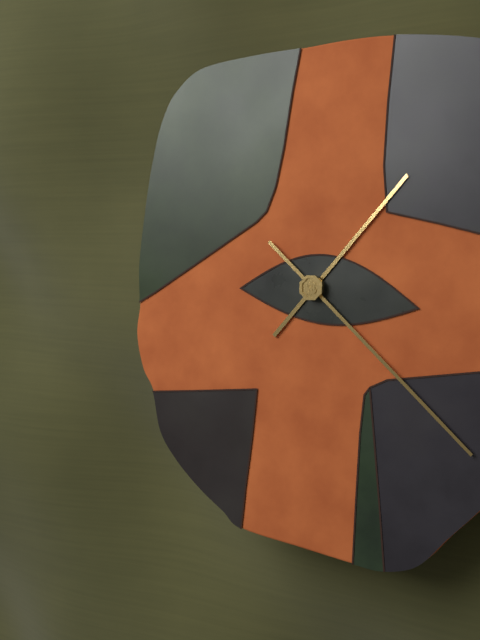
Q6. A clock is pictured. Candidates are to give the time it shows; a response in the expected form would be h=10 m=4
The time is h=1 m=22
